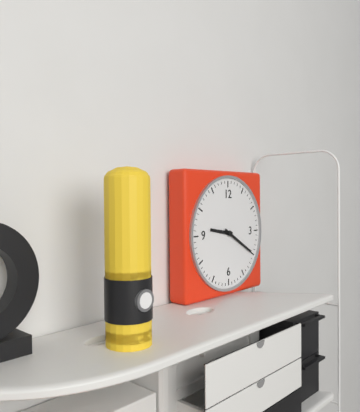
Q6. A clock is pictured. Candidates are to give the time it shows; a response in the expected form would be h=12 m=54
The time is h=9 m=20
